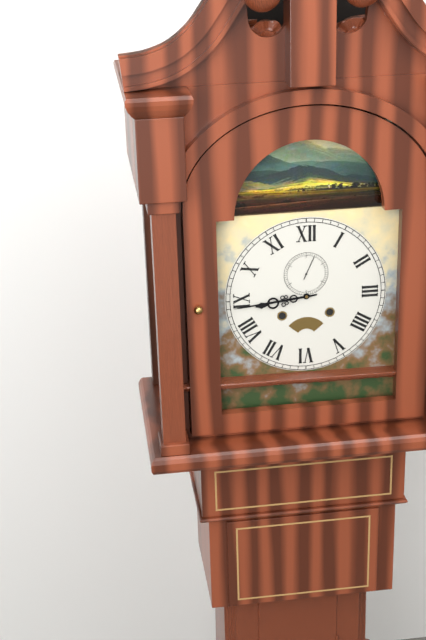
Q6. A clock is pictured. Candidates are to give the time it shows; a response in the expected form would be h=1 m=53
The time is h=8 m=44
